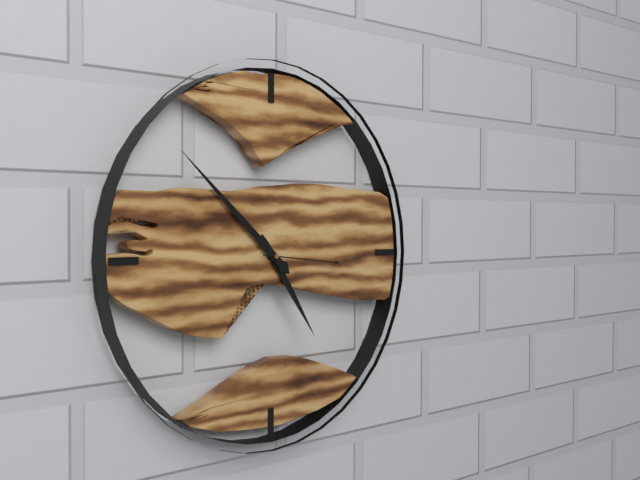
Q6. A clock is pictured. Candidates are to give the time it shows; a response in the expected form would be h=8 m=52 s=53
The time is h=4 m=52 s=16
